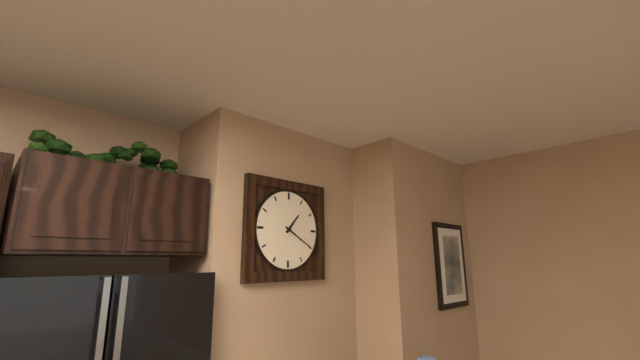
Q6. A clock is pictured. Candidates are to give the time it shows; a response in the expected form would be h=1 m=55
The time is h=1 m=20
